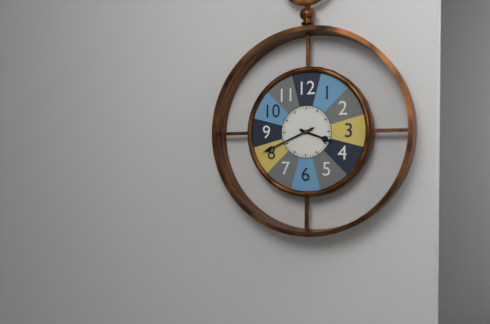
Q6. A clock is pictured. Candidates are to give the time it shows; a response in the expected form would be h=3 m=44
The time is h=3 m=41
